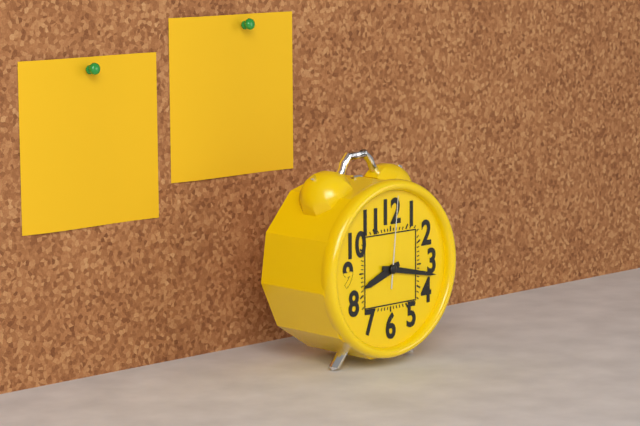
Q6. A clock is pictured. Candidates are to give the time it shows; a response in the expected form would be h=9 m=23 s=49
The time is h=8 m=17 s=1
